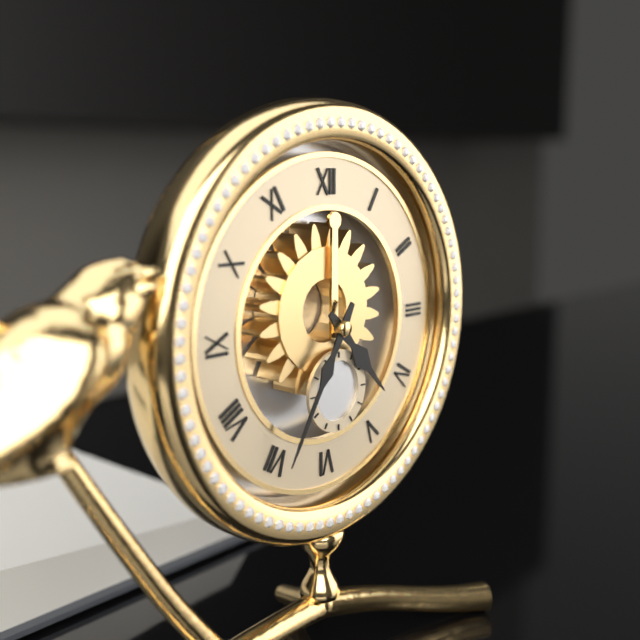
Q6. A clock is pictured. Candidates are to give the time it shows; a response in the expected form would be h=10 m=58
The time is h=4 m=35
